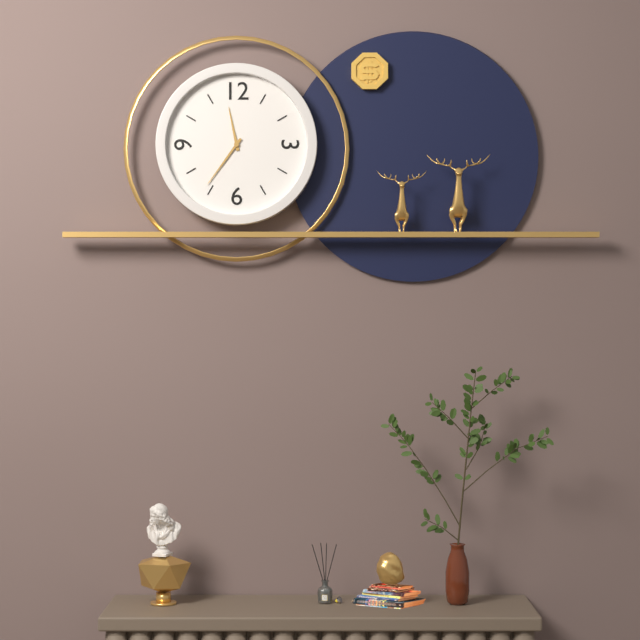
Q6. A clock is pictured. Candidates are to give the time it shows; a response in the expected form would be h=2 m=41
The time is h=11 m=36
